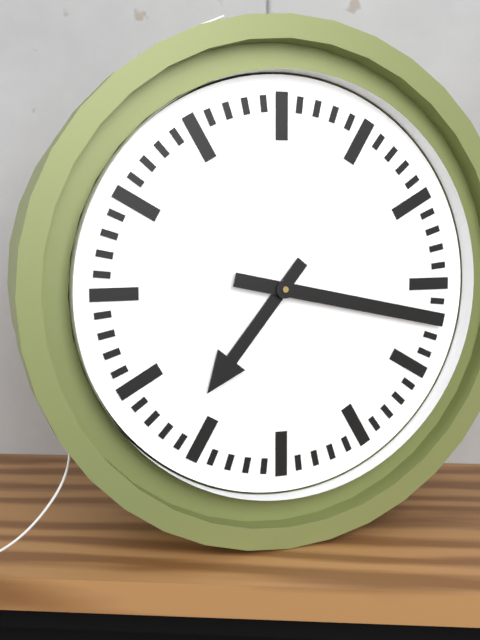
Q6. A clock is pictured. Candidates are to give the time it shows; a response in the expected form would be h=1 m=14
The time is h=7 m=17
